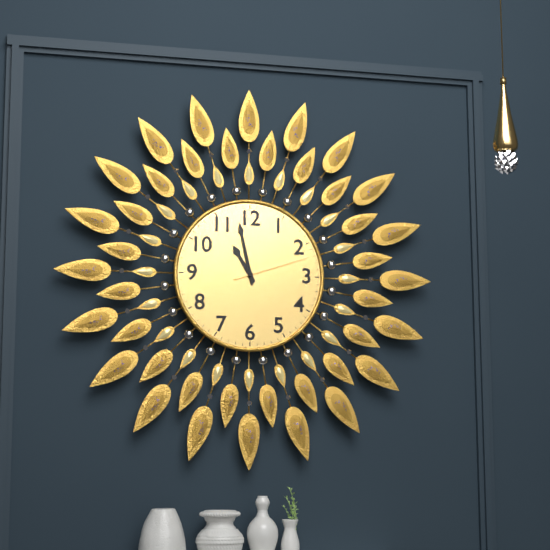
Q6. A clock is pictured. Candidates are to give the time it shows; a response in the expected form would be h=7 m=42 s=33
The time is h=10 m=58 s=12
